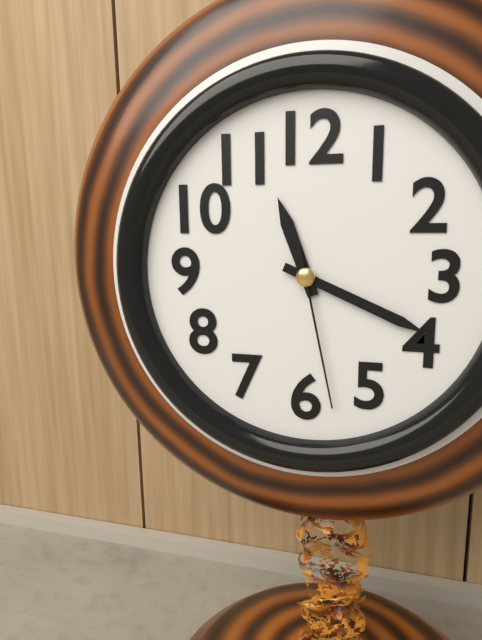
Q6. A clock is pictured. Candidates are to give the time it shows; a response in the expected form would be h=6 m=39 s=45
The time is h=11 m=19 s=28
